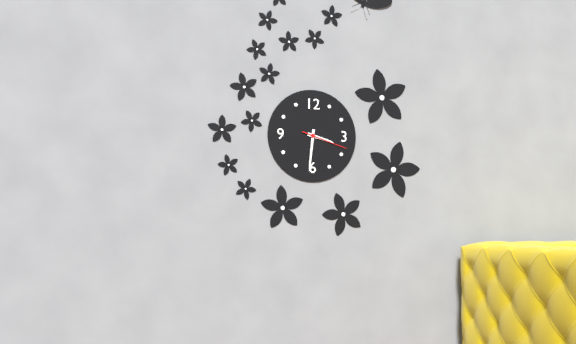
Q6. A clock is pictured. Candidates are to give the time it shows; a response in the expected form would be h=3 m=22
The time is h=3 m=31
